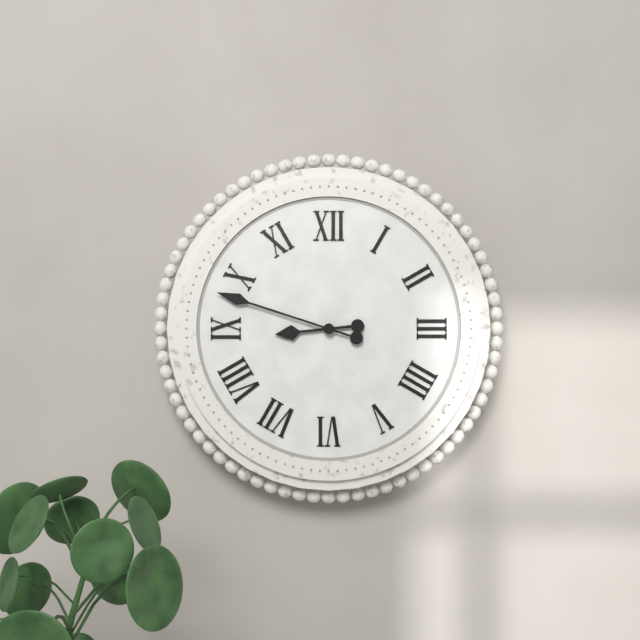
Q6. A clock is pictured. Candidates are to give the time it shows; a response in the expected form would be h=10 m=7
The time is h=8 m=48
